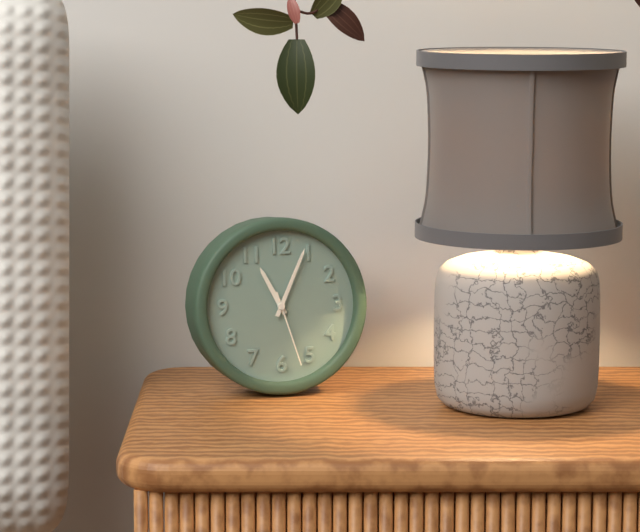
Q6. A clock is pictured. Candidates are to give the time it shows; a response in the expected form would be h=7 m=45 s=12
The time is h=11 m=4 s=27
